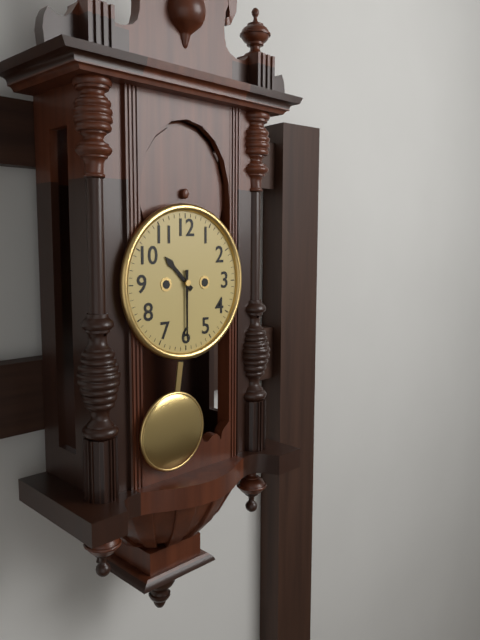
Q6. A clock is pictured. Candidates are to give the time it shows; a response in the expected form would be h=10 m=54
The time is h=10 m=30
